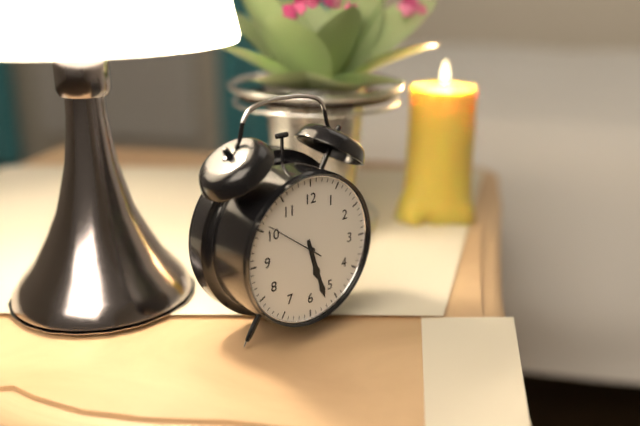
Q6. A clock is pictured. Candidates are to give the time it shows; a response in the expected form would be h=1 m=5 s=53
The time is h=5 m=27 s=51
